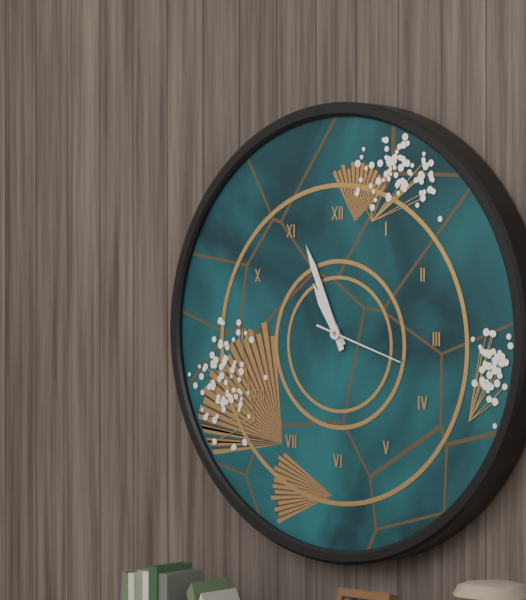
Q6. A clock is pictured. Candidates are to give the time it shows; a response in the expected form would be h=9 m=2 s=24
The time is h=10 m=56 s=18
